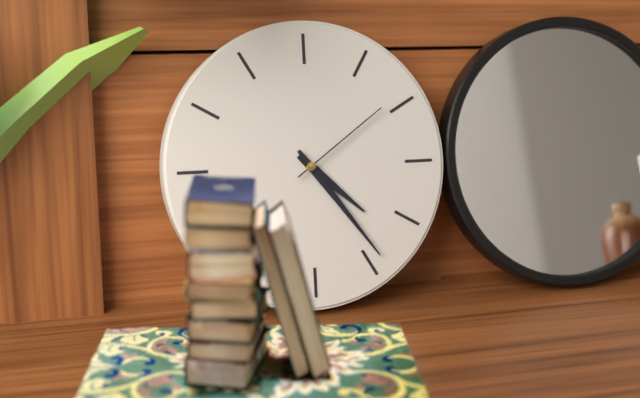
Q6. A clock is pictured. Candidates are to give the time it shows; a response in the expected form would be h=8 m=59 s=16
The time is h=4 m=24 s=9
